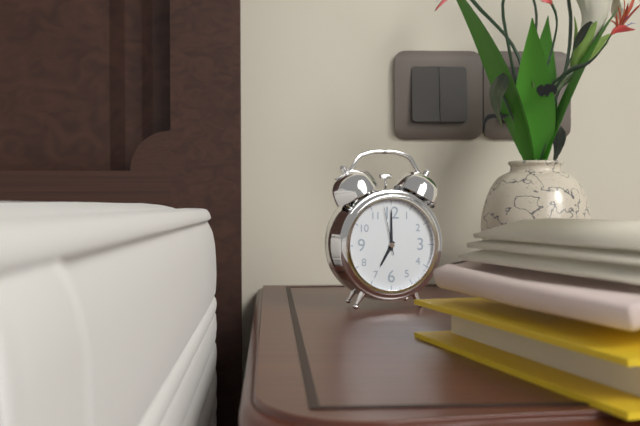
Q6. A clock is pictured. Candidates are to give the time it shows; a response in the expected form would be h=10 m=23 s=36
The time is h=7 m=0 s=58
